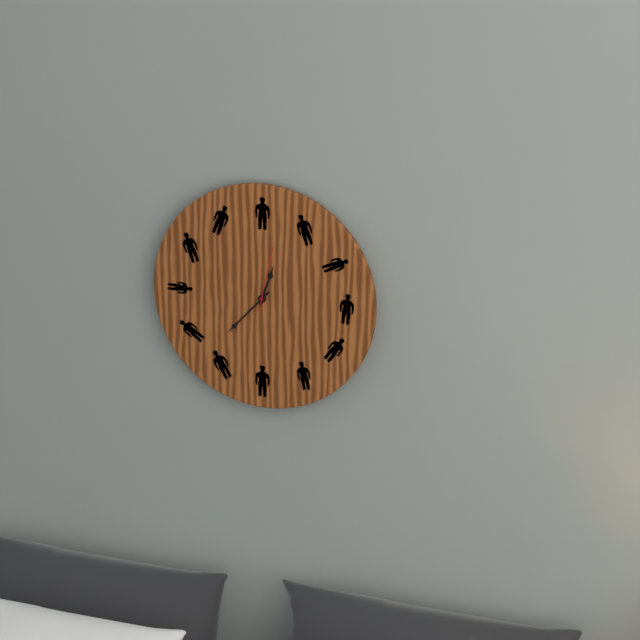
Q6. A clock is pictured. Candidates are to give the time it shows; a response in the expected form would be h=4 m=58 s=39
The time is h=12 m=37 s=2
